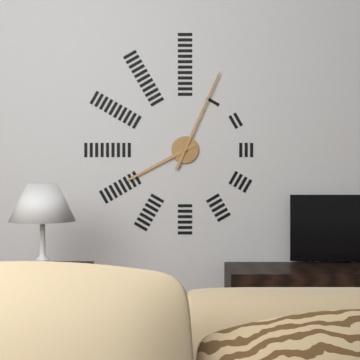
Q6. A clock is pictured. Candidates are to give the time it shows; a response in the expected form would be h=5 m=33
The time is h=8 m=4
